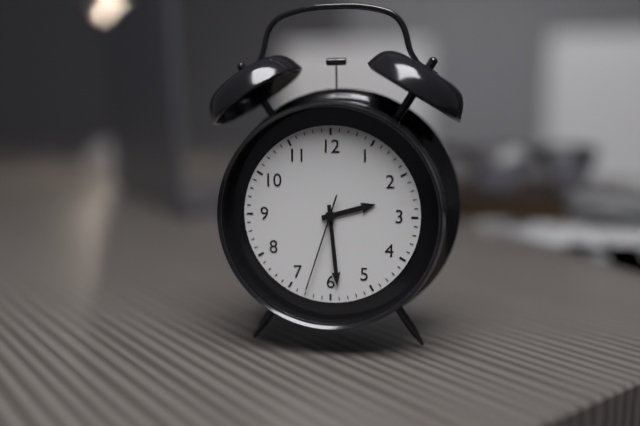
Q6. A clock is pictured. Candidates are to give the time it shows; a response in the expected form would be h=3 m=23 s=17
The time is h=2 m=29 s=33
